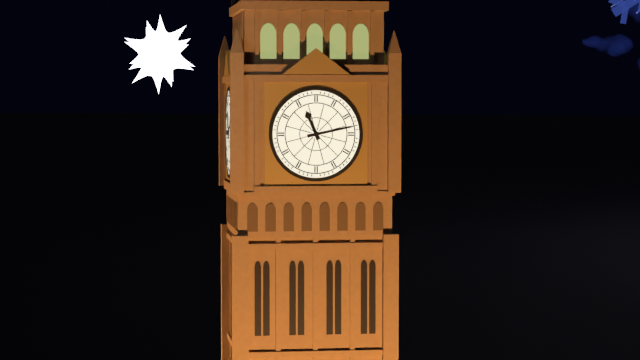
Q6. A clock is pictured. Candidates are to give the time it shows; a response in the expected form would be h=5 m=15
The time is h=11 m=13
